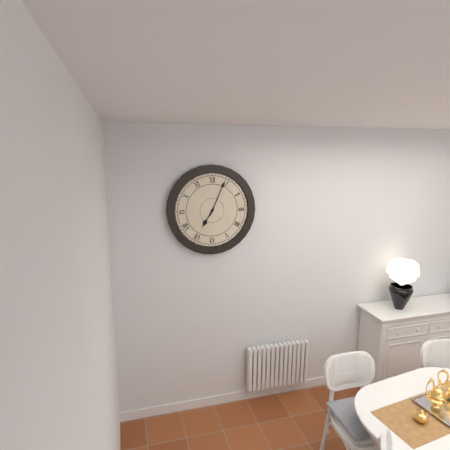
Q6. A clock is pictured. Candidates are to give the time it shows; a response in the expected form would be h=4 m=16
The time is h=7 m=4
